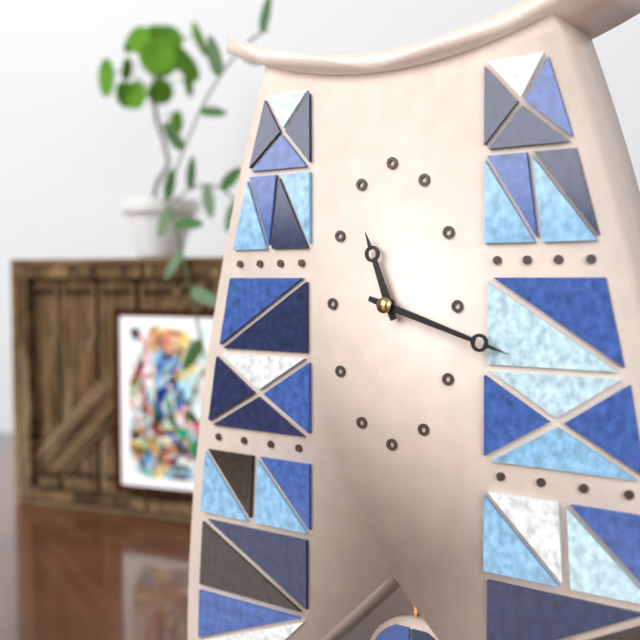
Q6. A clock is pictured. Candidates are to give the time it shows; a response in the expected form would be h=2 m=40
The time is h=11 m=18
